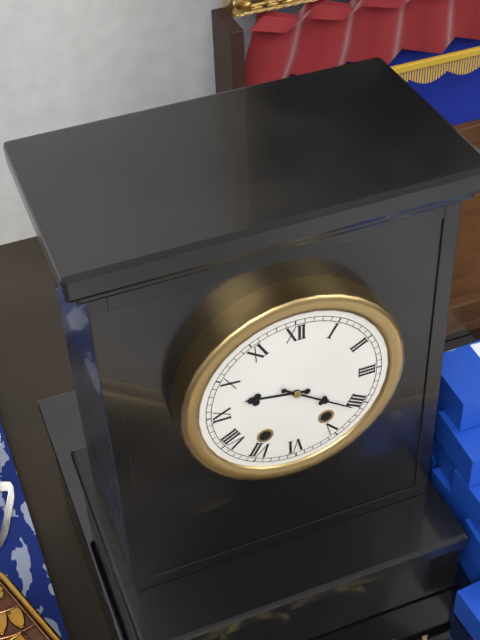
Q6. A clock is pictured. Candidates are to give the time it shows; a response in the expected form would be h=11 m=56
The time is h=9 m=21
